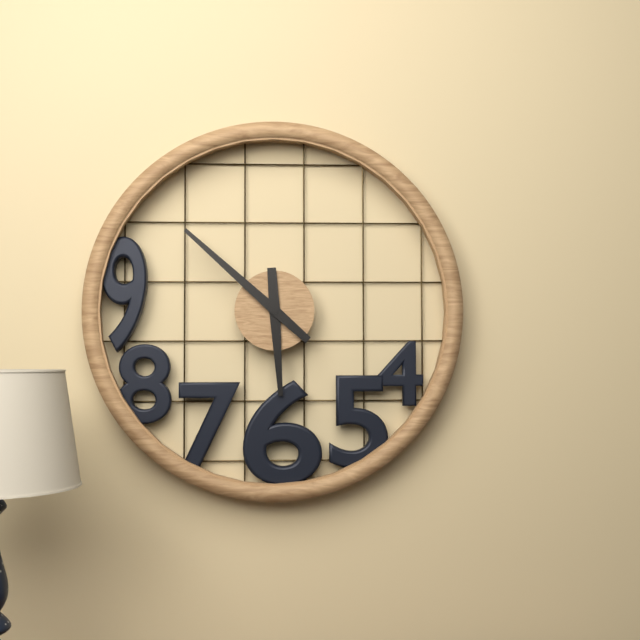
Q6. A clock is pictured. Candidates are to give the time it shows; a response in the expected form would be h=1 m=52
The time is h=5 m=52
